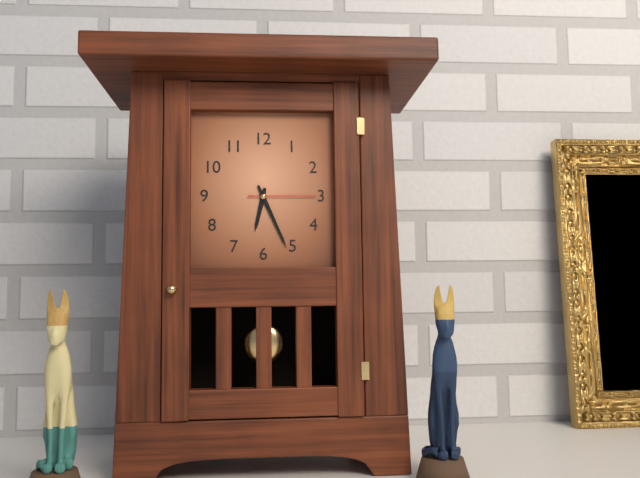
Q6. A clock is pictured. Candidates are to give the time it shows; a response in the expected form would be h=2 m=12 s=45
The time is h=6 m=26 s=15
